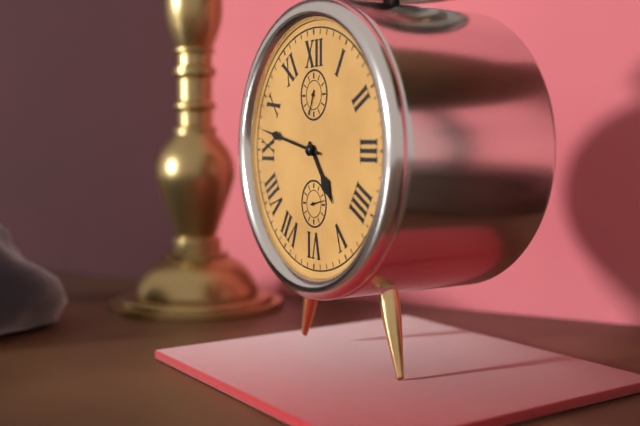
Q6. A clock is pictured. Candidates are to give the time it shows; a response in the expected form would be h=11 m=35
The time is h=4 m=47
